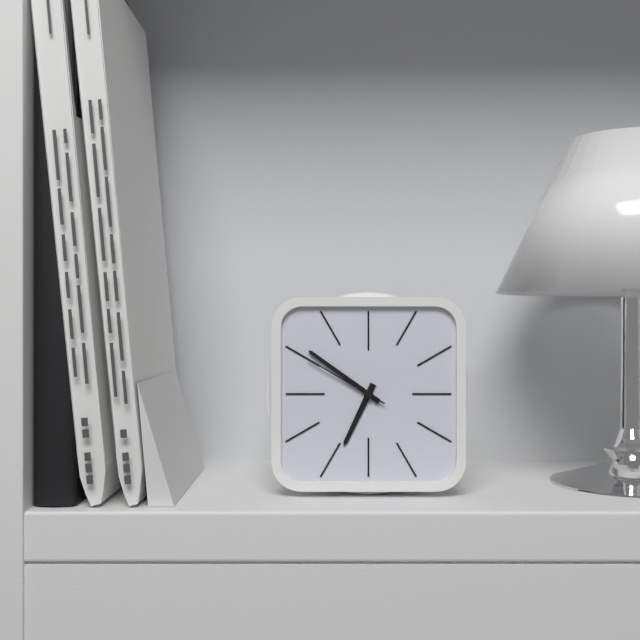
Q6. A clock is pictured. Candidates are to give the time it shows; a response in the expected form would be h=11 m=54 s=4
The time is h=6 m=51 s=50
